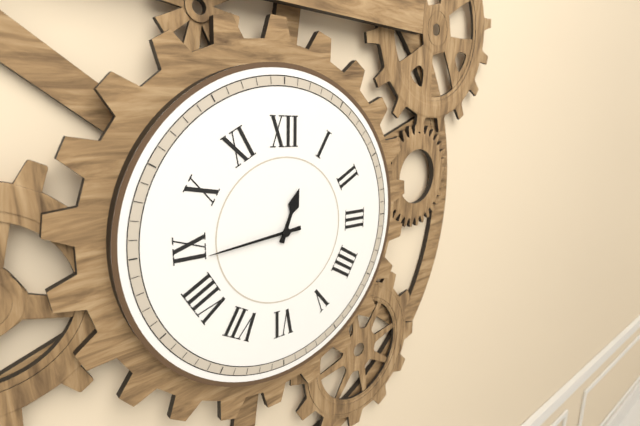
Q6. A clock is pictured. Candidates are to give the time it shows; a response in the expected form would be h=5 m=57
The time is h=12 m=44
